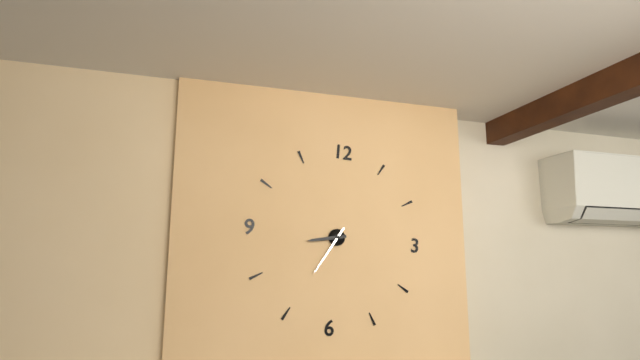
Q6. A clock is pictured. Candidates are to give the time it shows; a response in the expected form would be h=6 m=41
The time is h=8 m=35
